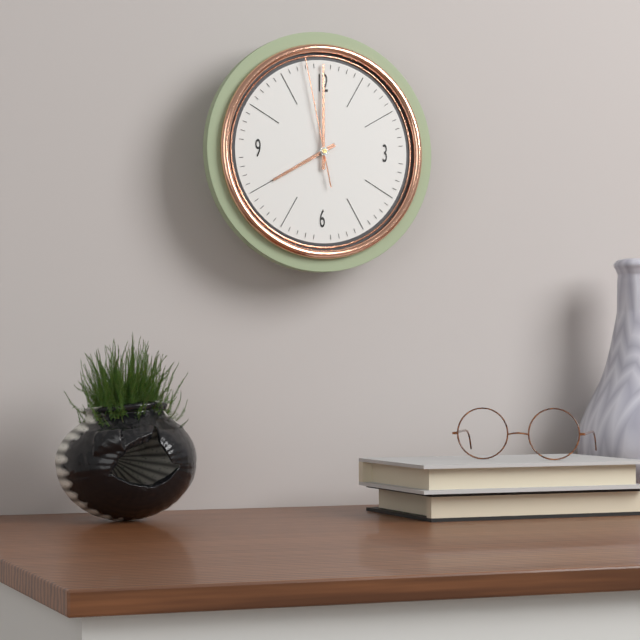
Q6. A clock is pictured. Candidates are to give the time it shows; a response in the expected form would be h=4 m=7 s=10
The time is h=8 m=0 s=58
